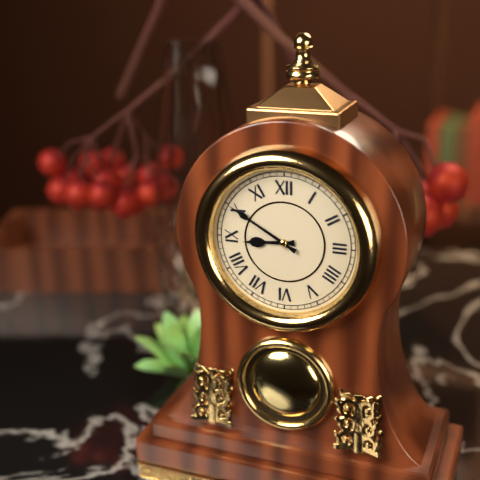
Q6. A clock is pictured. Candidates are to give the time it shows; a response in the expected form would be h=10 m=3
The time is h=8 m=50
